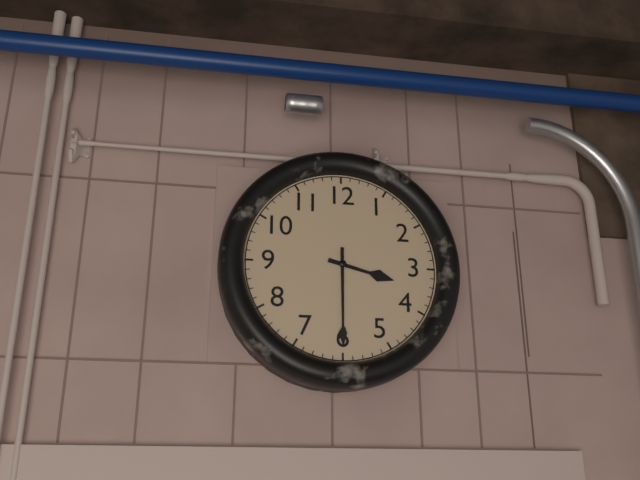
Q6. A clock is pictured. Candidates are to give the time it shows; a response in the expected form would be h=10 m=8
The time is h=3 m=30
